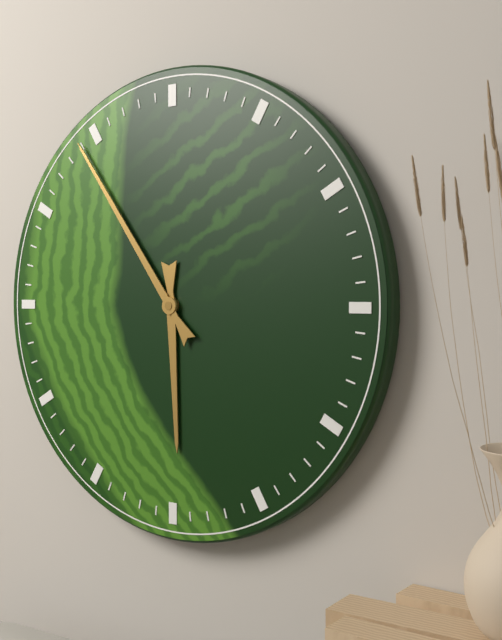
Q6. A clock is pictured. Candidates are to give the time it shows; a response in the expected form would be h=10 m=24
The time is h=5 m=54
